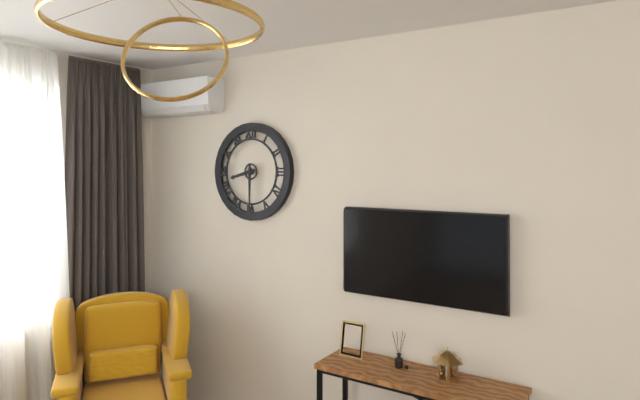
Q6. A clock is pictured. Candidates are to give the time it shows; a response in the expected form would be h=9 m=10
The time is h=8 m=30
